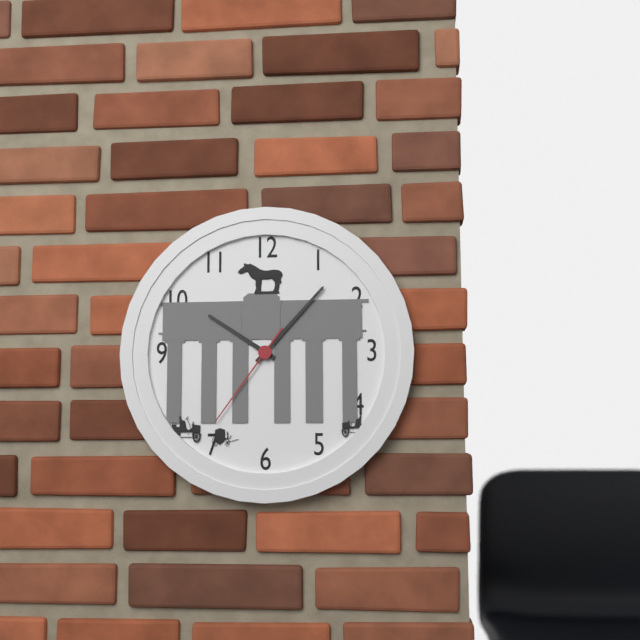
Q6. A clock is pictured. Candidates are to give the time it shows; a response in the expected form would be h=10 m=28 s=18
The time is h=10 m=7 s=36
